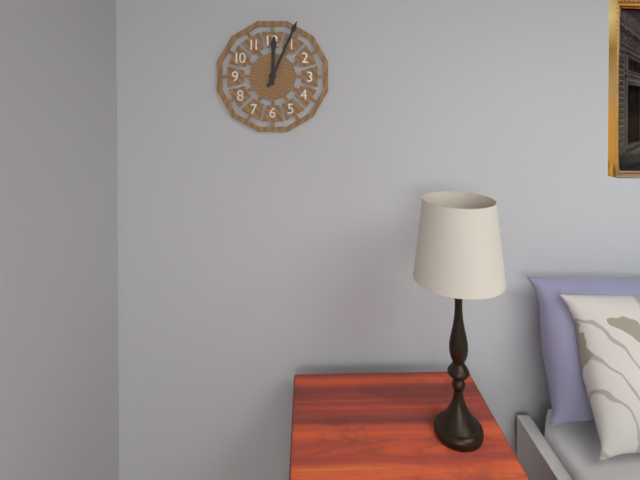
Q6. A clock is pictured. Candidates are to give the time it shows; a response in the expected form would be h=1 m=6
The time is h=12 m=4
